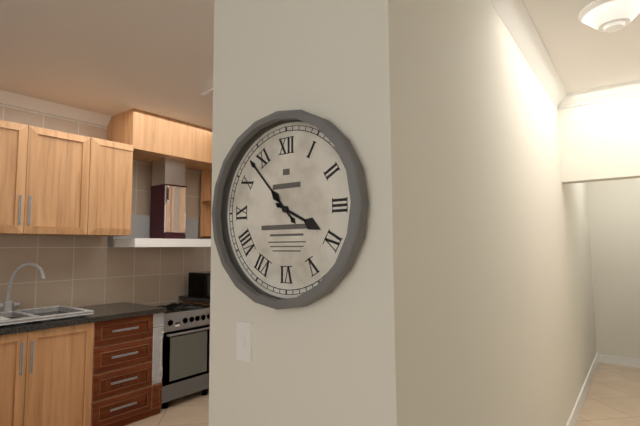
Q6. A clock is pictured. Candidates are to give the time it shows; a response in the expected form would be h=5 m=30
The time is h=3 m=53
